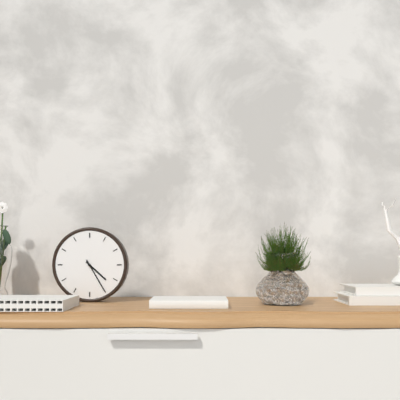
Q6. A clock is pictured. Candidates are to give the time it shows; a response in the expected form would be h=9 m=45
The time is h=4 m=25
